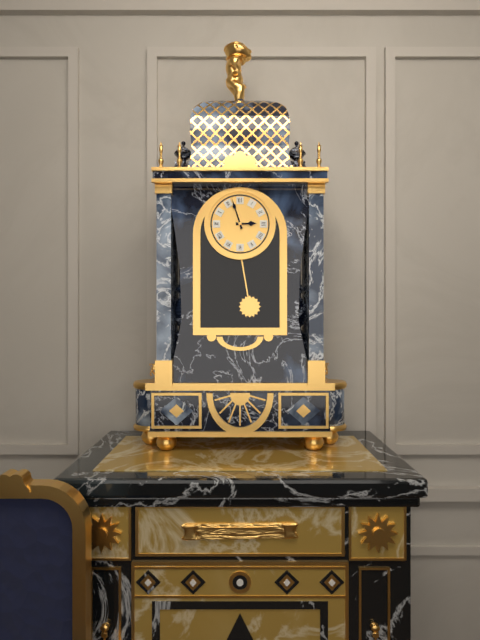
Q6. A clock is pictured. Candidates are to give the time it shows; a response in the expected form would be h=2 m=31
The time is h=2 m=57
